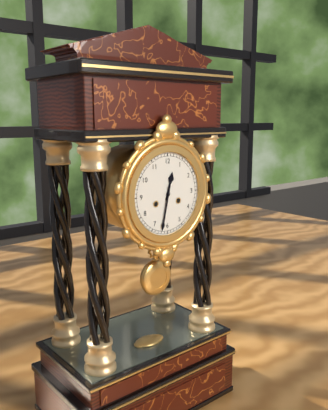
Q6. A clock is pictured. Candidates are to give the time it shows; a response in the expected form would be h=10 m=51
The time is h=12 m=32
